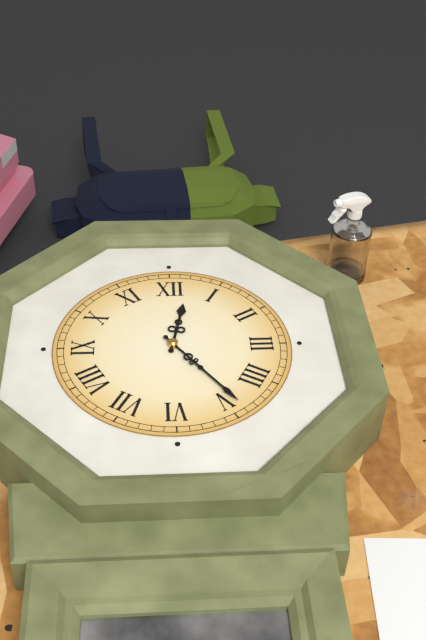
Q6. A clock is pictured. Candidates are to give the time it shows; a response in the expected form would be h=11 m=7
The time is h=12 m=24
